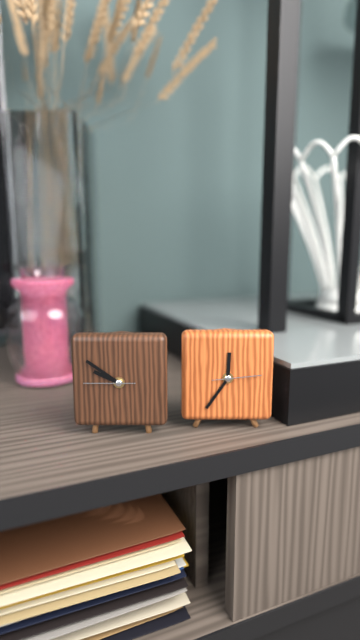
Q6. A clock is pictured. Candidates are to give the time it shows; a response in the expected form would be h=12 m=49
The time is h=9 m=51
